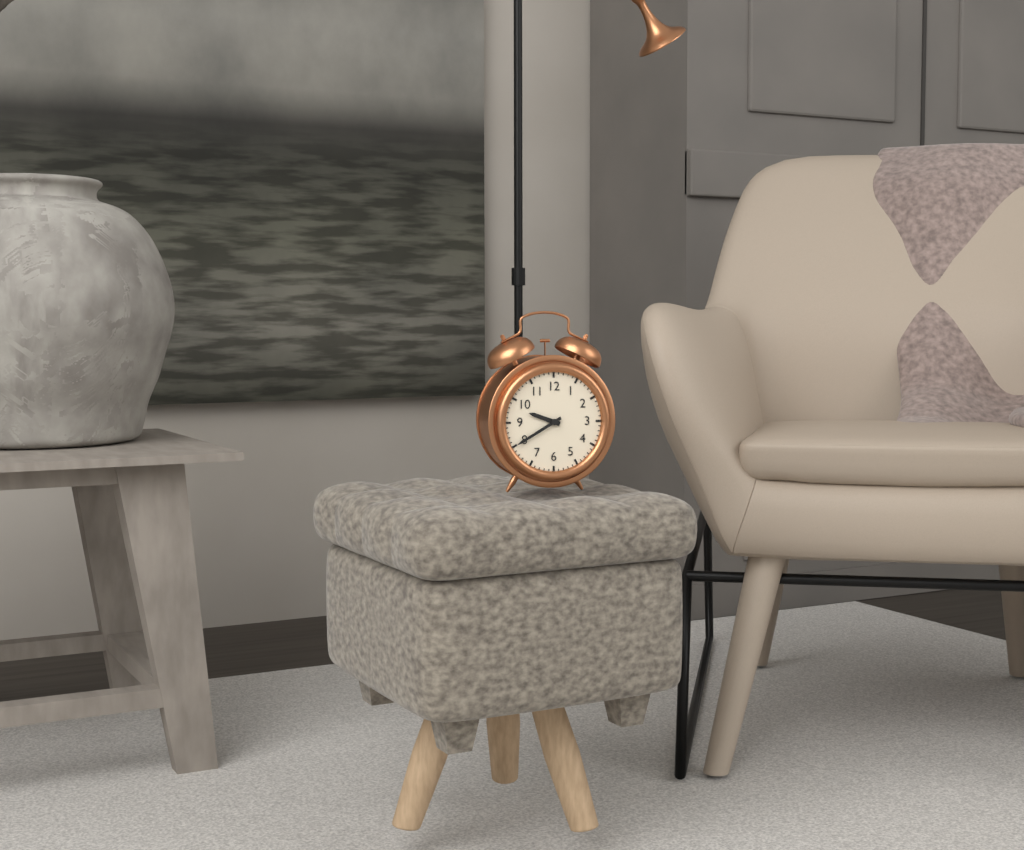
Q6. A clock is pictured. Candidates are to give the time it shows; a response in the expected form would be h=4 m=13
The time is h=9 m=40
